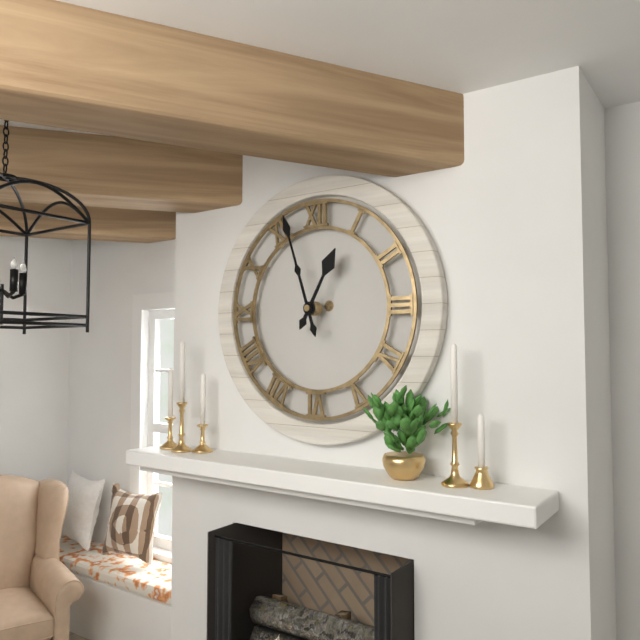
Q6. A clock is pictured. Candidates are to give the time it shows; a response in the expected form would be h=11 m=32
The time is h=12 m=57
